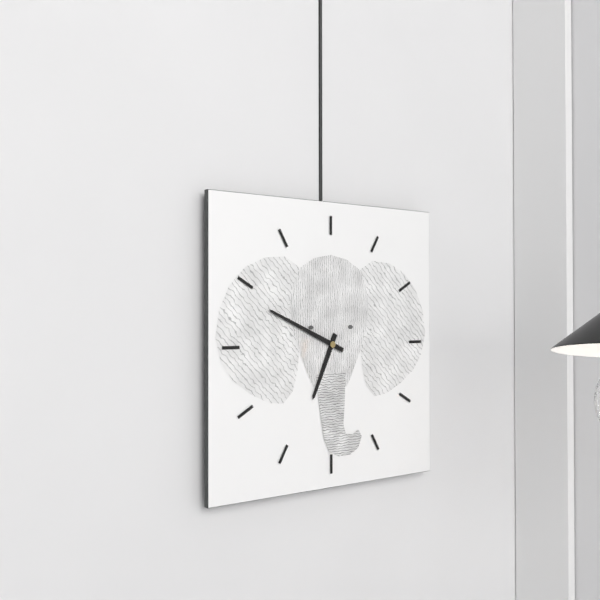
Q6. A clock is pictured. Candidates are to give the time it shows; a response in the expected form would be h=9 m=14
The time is h=6 m=49
